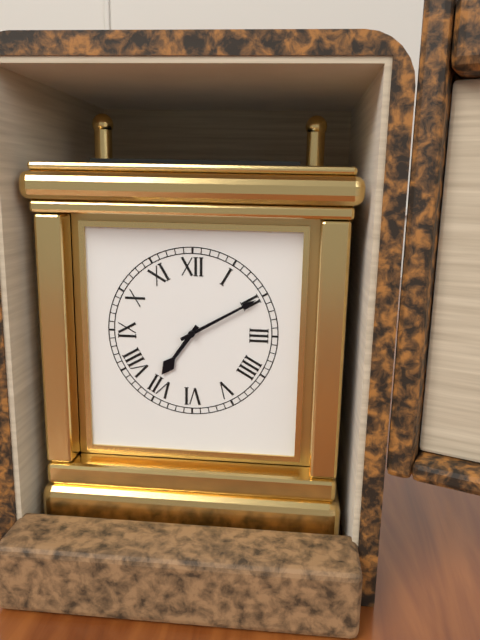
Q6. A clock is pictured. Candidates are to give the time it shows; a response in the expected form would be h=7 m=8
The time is h=7 m=10
